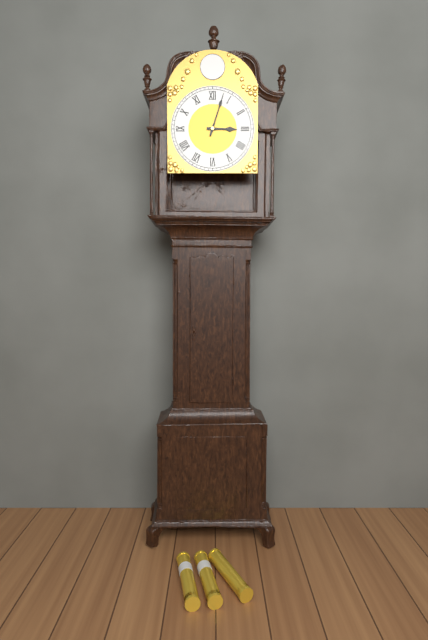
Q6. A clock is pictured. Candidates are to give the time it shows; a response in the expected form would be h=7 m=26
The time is h=3 m=3
